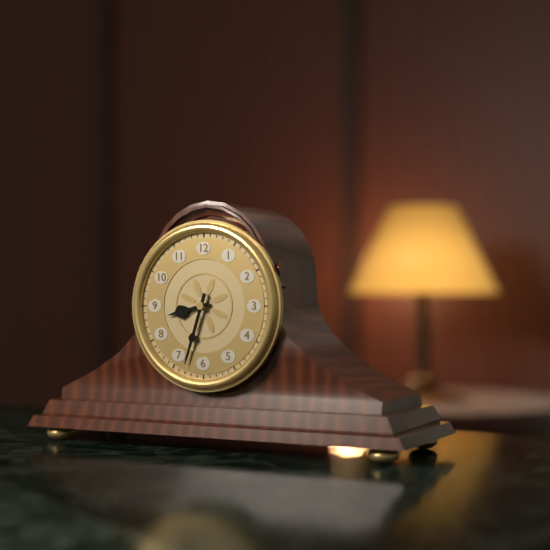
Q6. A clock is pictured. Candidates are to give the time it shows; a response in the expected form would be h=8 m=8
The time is h=8 m=33
